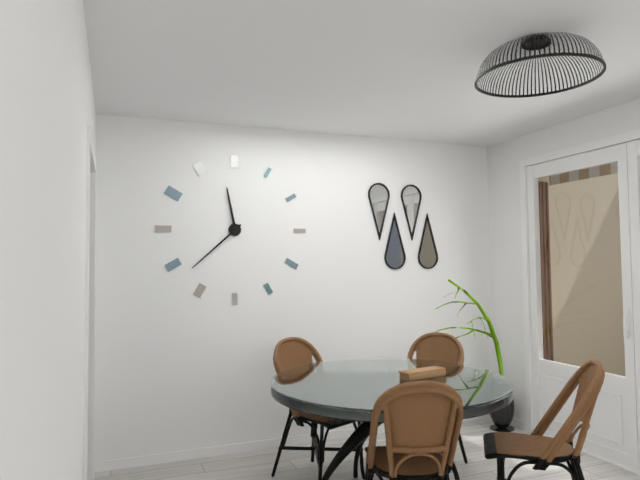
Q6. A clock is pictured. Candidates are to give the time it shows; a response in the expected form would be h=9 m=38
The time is h=11 m=38
